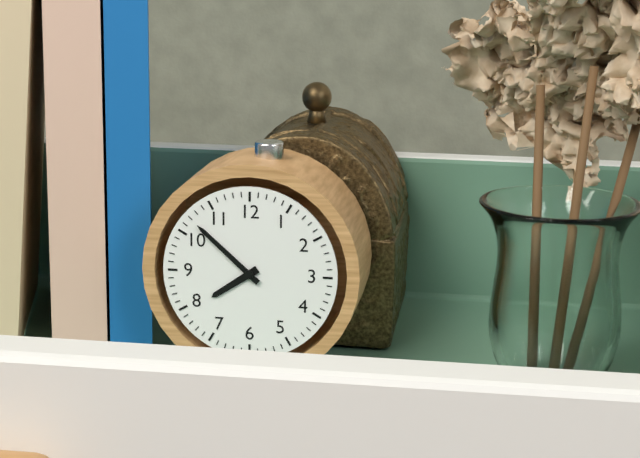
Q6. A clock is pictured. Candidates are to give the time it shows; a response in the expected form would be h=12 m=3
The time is h=7 m=52
